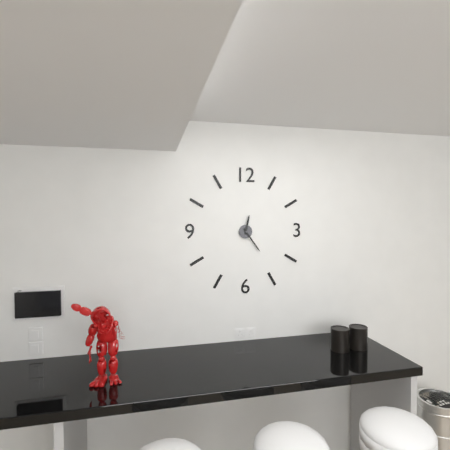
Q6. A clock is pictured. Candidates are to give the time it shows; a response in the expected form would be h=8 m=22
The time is h=12 m=24
